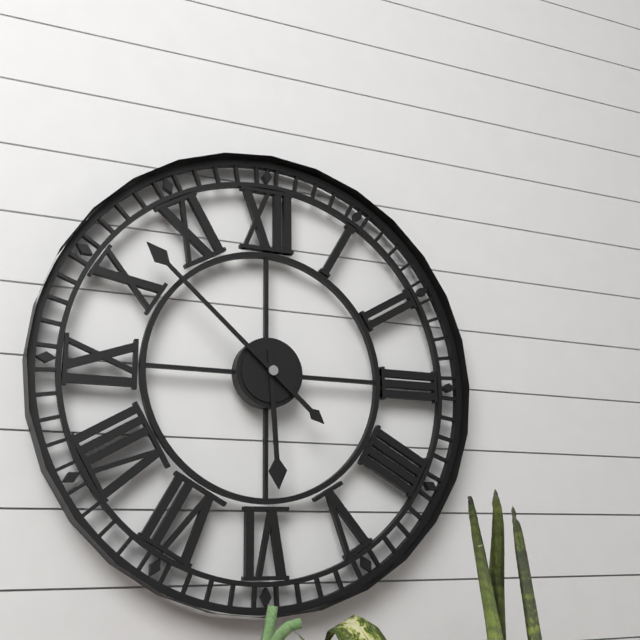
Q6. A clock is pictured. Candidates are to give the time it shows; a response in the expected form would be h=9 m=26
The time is h=5 m=52
